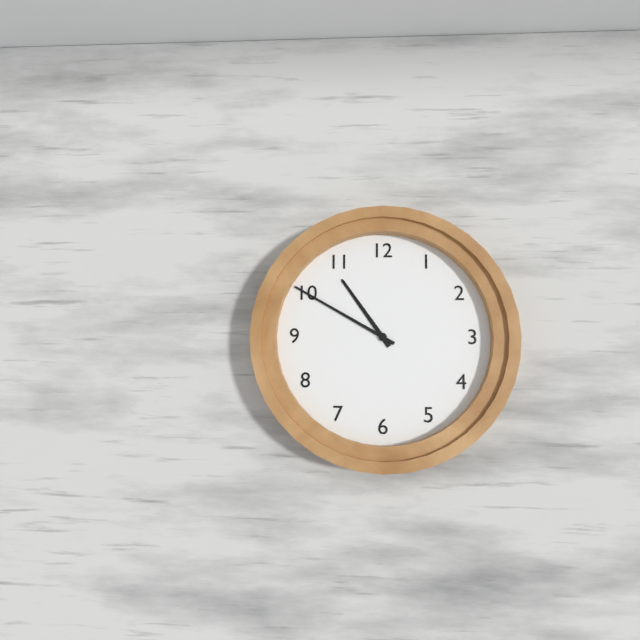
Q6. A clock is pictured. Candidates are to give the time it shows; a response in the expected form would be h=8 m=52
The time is h=10 m=50
